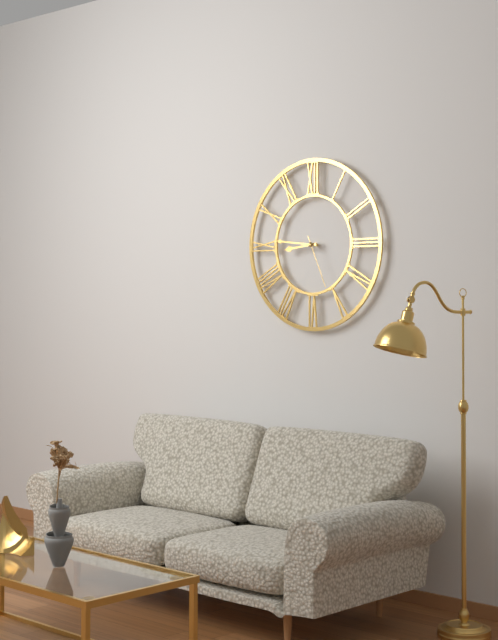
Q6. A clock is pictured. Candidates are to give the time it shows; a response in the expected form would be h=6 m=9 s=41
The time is h=8 m=46 s=26
